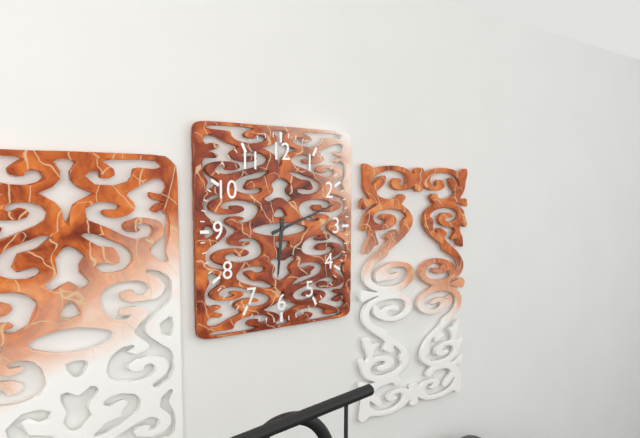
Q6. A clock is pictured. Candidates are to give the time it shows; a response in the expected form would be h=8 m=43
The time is h=6 m=12
